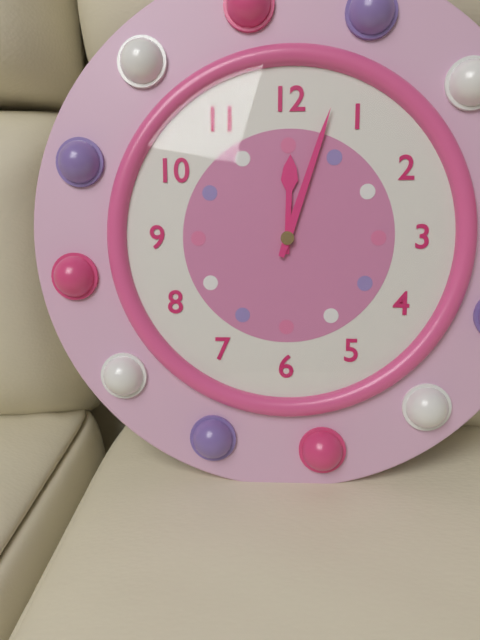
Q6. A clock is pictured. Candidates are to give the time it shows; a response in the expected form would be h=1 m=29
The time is h=12 m=3
